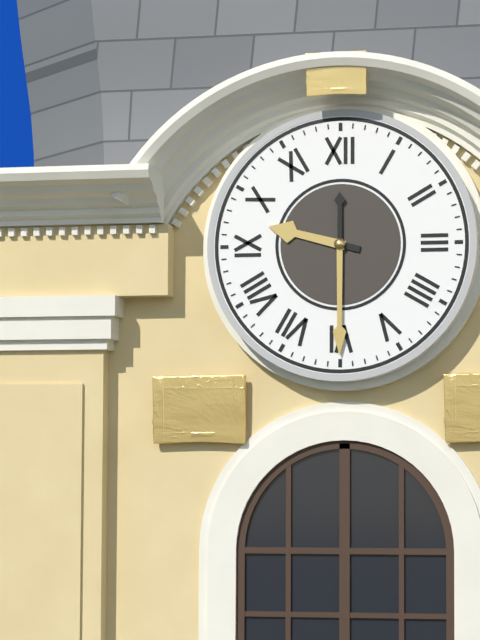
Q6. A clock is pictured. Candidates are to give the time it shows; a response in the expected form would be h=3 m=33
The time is h=9 m=30
